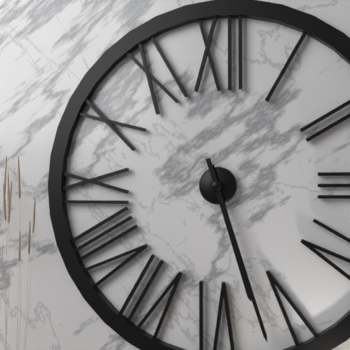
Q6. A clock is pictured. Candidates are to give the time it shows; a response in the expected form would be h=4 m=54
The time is h=5 m=27
